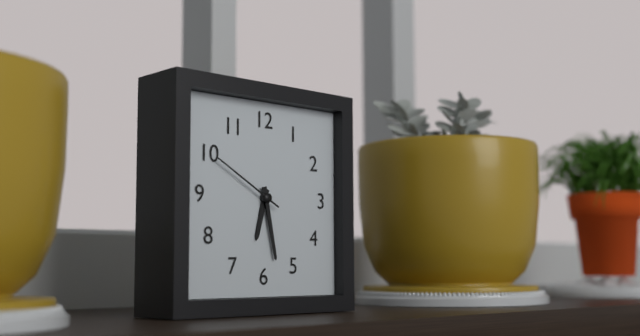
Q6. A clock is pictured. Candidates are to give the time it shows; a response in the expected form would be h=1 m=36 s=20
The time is h=6 m=28 s=50
